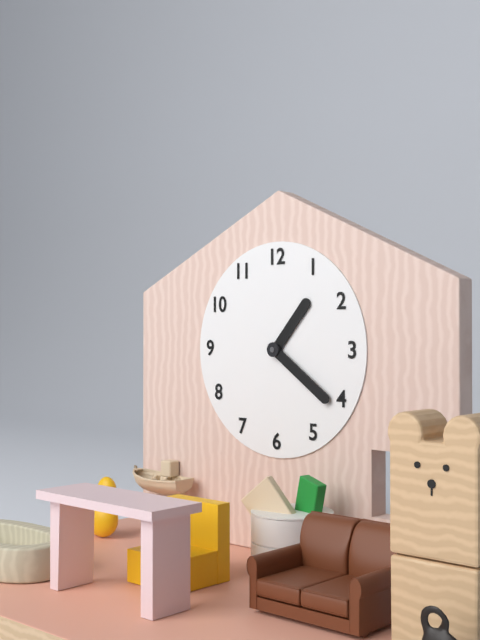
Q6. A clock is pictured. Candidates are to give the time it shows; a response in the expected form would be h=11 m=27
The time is h=1 m=21
